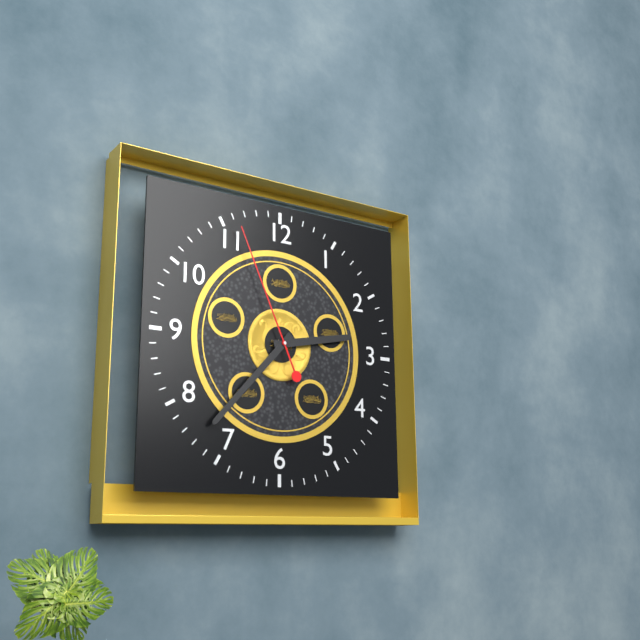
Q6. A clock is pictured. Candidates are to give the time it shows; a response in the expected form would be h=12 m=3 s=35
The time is h=2 m=37 s=56
